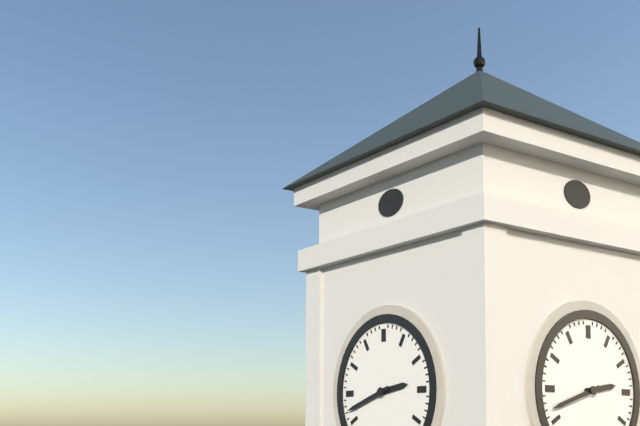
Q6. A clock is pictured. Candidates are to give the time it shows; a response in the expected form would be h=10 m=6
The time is h=2 m=42
